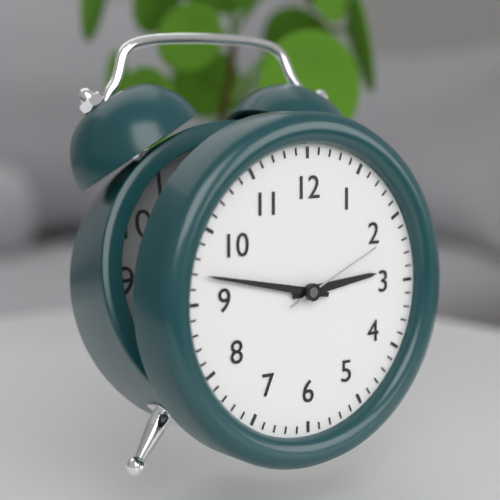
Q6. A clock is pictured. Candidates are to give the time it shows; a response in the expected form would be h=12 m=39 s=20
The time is h=2 m=47 s=11
